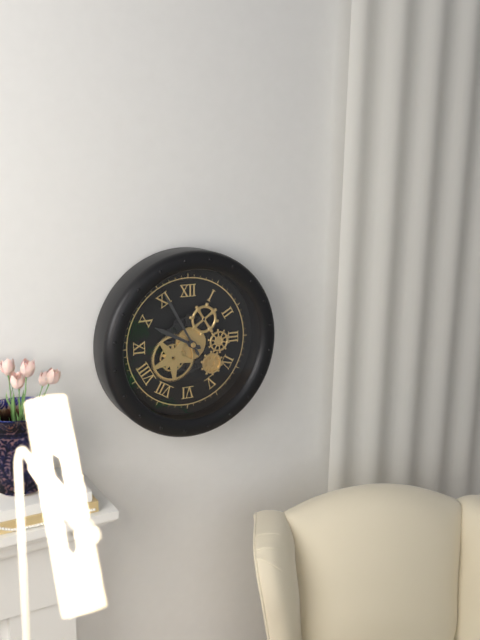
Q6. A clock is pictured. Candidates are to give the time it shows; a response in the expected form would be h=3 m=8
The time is h=9 m=55
